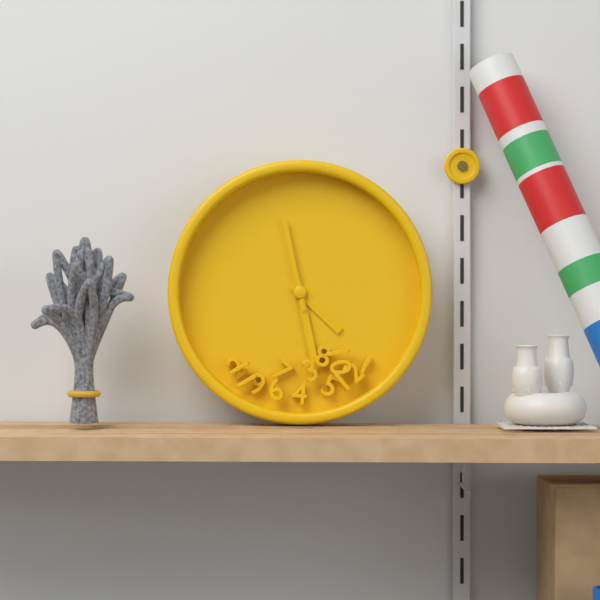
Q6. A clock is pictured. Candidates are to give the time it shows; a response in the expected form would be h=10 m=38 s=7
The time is h=4 m=28 s=58
